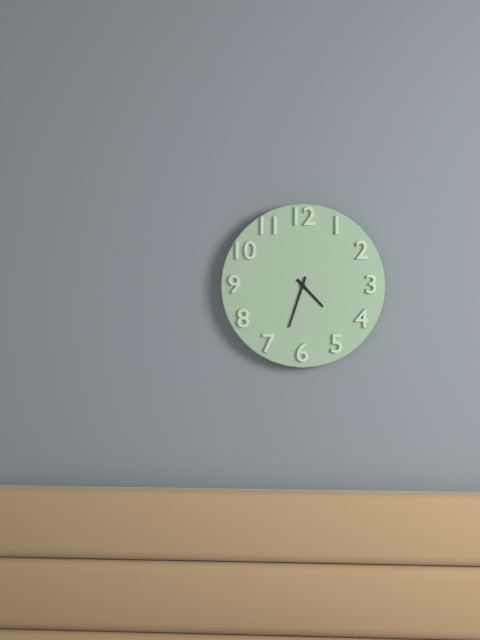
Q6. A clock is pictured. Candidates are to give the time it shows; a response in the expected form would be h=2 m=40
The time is h=4 m=33
